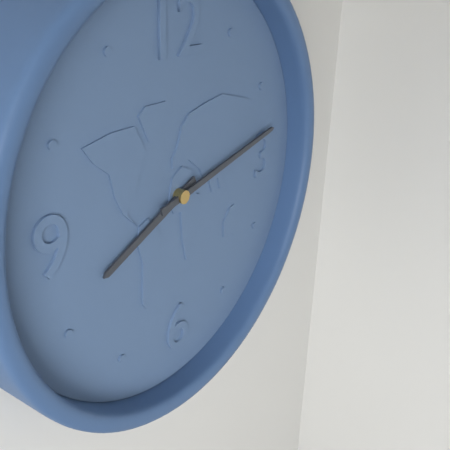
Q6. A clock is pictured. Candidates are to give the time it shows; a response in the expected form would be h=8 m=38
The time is h=8 m=13
